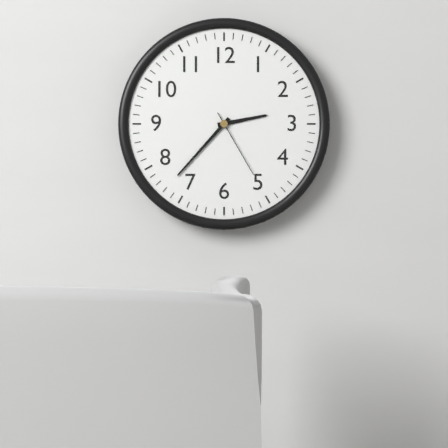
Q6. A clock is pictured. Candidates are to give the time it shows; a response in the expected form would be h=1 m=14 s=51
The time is h=2 m=37 s=25
